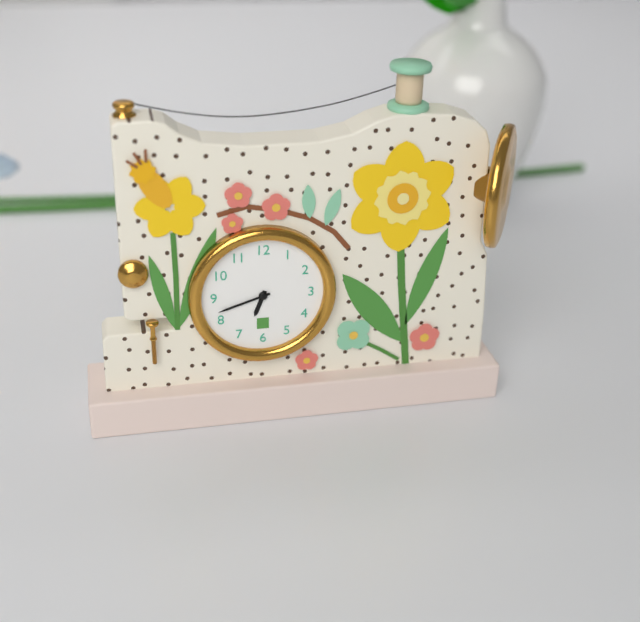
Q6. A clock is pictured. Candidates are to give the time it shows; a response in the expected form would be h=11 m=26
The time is h=6 m=42
